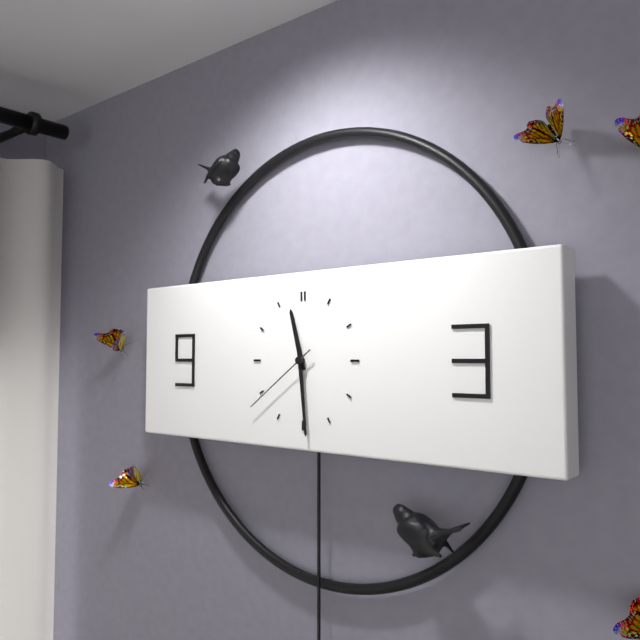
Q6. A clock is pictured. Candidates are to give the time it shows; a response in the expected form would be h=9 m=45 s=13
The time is h=11 m=29 s=39
